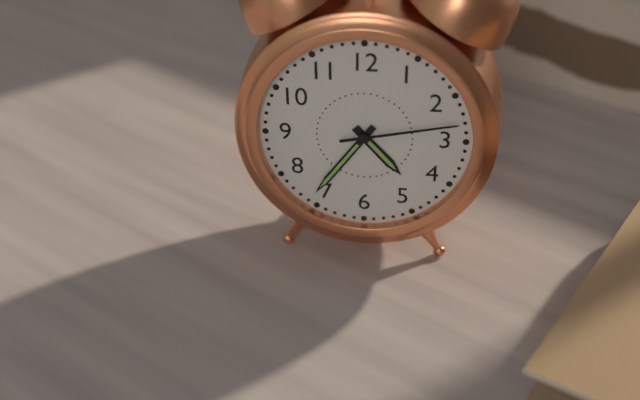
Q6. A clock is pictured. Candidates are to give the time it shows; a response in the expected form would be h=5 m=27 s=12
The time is h=4 m=36 s=13
